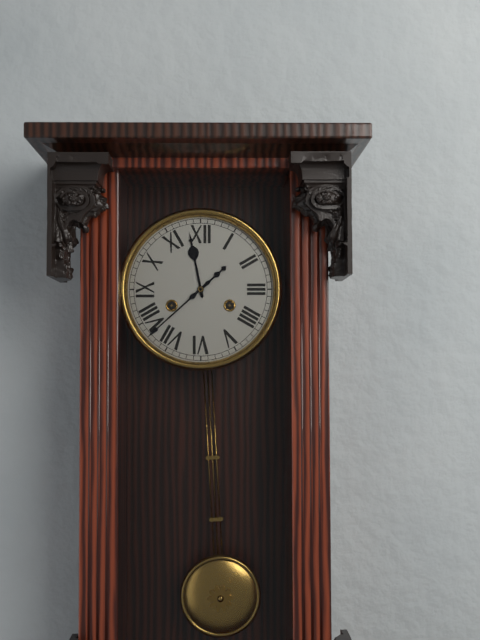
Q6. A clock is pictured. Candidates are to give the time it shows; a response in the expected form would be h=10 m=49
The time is h=11 m=38
